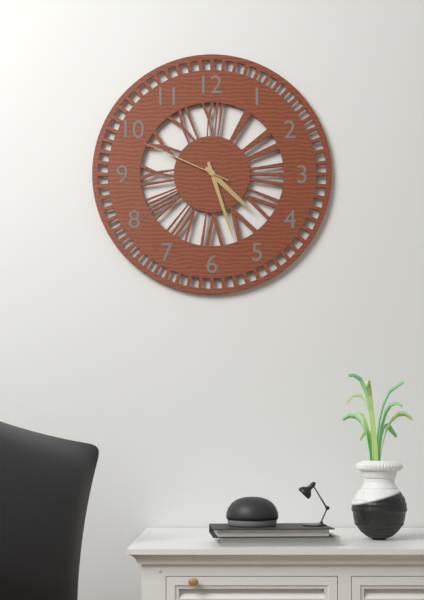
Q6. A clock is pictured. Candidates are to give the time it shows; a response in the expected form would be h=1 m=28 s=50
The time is h=4 m=27 s=49
